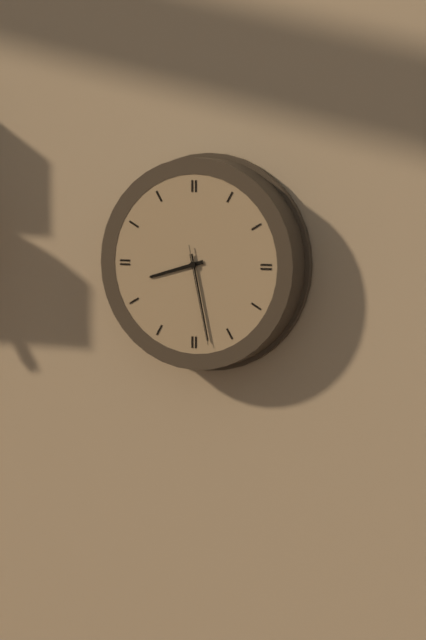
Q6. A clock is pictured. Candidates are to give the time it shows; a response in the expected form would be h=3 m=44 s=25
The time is h=8 m=28 s=28
